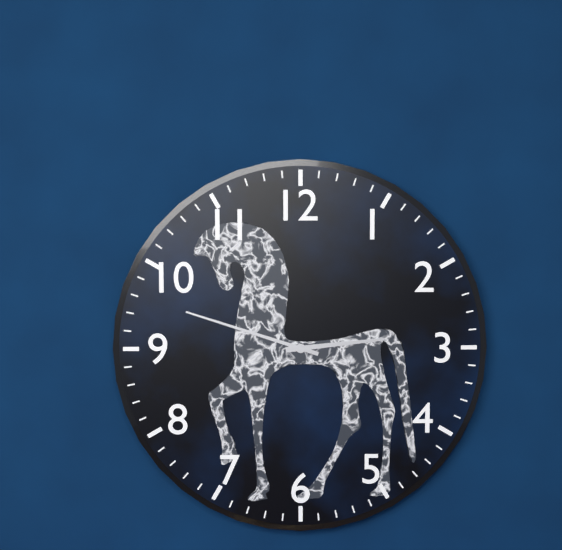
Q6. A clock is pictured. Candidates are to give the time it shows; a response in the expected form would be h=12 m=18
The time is h=2 m=48
